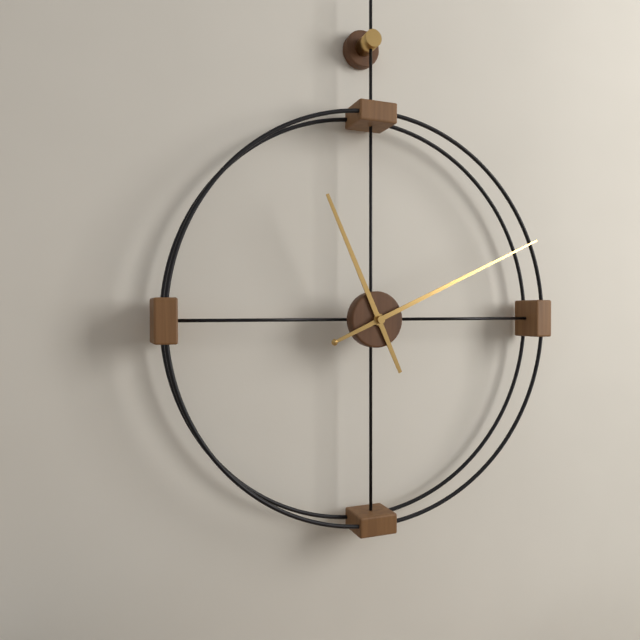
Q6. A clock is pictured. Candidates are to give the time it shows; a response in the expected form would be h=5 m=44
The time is h=11 m=11
